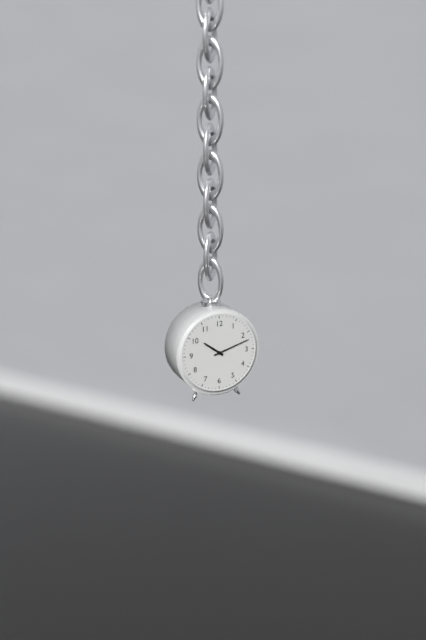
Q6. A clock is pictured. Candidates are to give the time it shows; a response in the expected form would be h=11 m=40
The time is h=10 m=12
